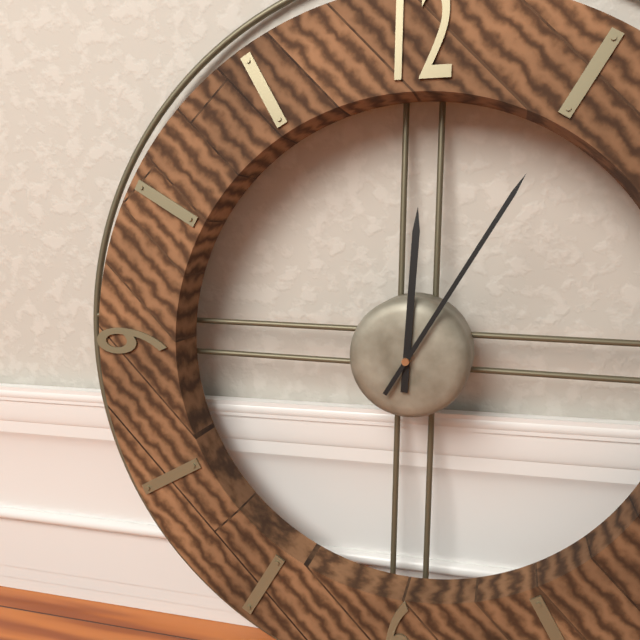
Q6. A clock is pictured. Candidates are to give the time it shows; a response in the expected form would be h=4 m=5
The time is h=12 m=5
